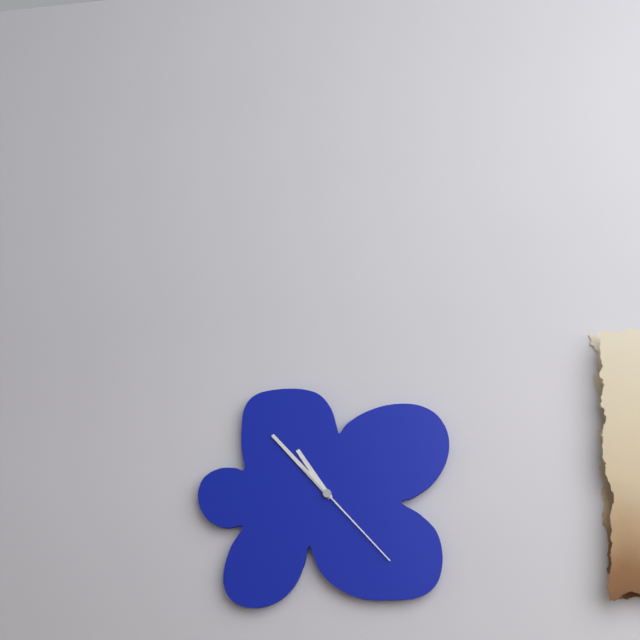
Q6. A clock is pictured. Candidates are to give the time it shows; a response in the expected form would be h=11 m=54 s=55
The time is h=10 m=53 s=23
